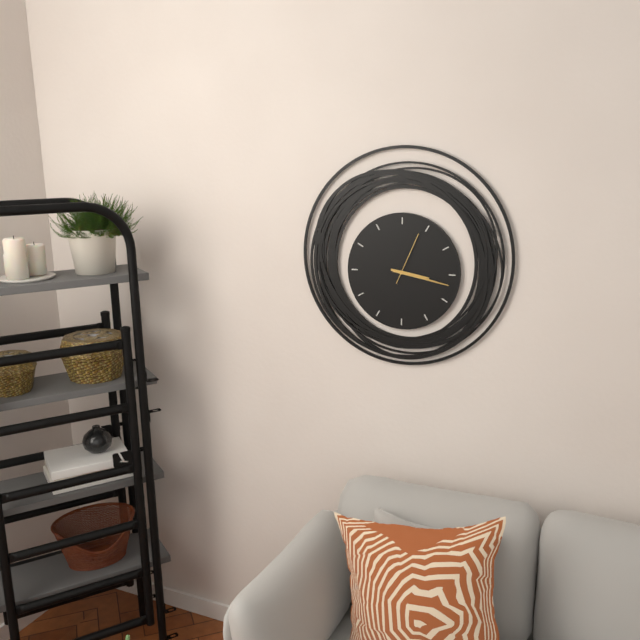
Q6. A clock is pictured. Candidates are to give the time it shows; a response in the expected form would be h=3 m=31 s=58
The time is h=3 m=17 s=4
